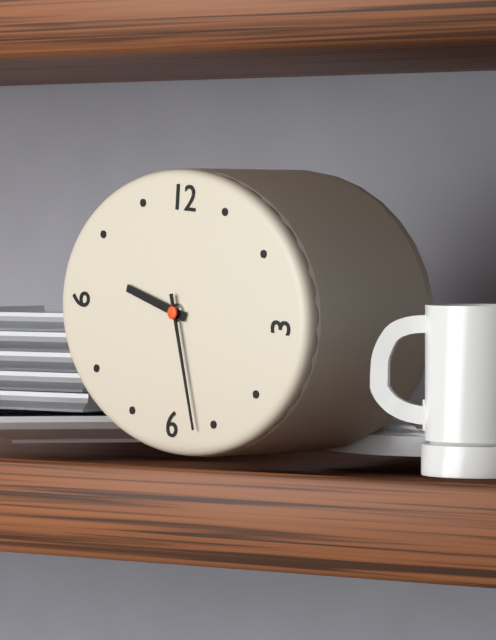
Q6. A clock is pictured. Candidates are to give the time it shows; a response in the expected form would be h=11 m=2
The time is h=9 m=27
